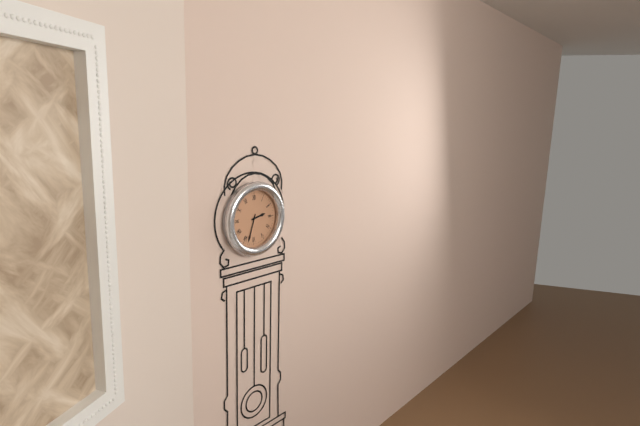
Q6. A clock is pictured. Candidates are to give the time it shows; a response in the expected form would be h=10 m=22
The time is h=2 m=33
